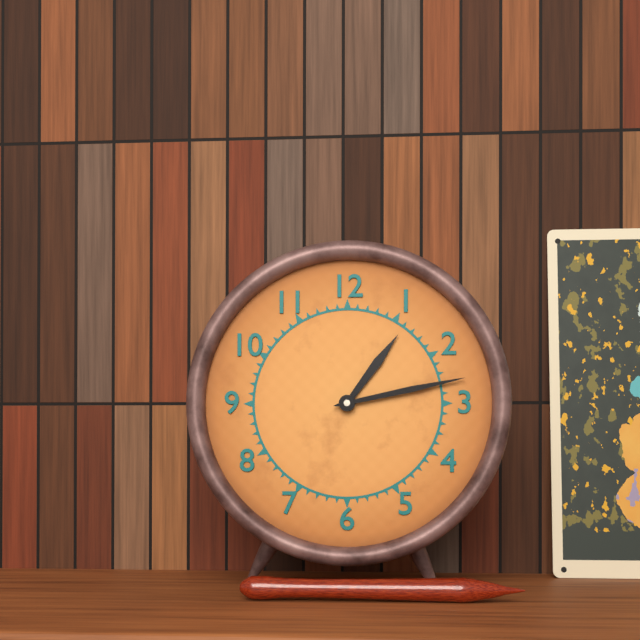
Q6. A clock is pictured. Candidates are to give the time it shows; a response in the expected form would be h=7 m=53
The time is h=1 m=13
